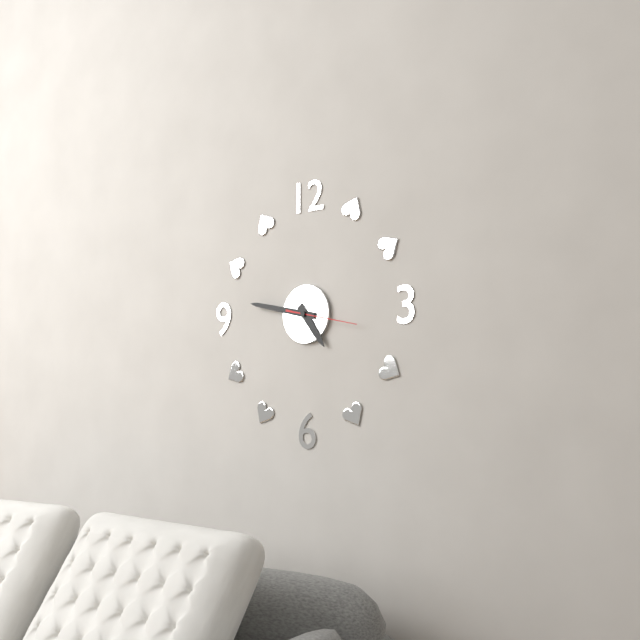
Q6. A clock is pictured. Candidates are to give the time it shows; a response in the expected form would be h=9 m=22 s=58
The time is h=4 m=47 s=17
